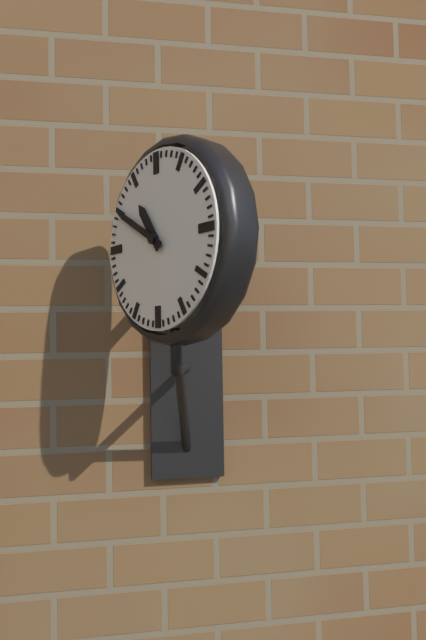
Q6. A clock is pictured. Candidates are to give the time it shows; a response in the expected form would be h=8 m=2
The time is h=10 m=50
